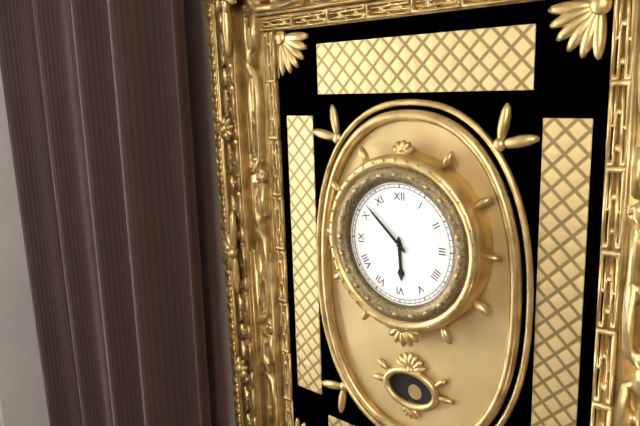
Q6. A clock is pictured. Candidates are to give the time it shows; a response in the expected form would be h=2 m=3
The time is h=5 m=52
